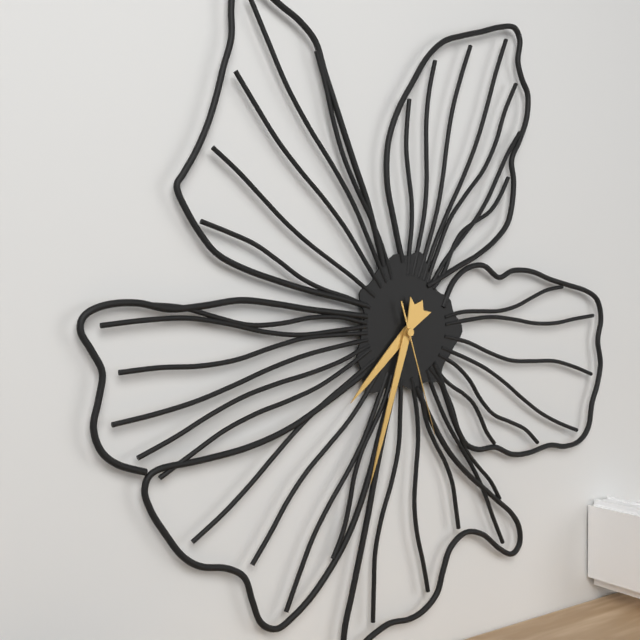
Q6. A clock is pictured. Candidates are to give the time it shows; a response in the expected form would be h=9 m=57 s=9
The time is h=7 m=33 s=27
